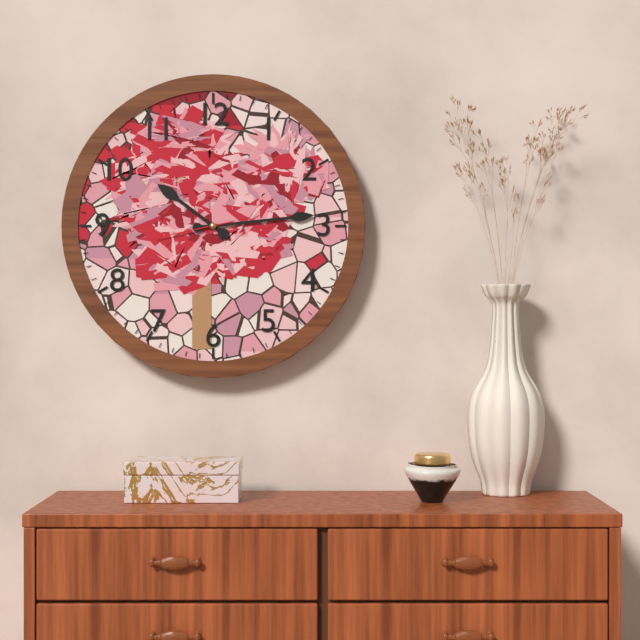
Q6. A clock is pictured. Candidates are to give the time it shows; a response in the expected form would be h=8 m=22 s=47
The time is h=10 m=14 s=43
